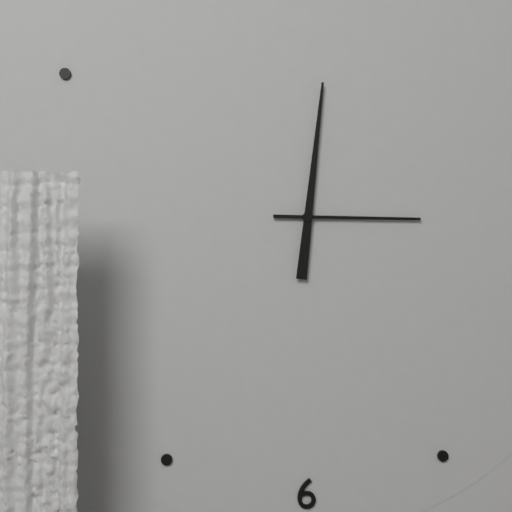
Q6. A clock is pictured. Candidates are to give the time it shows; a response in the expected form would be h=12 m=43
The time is h=3 m=1
